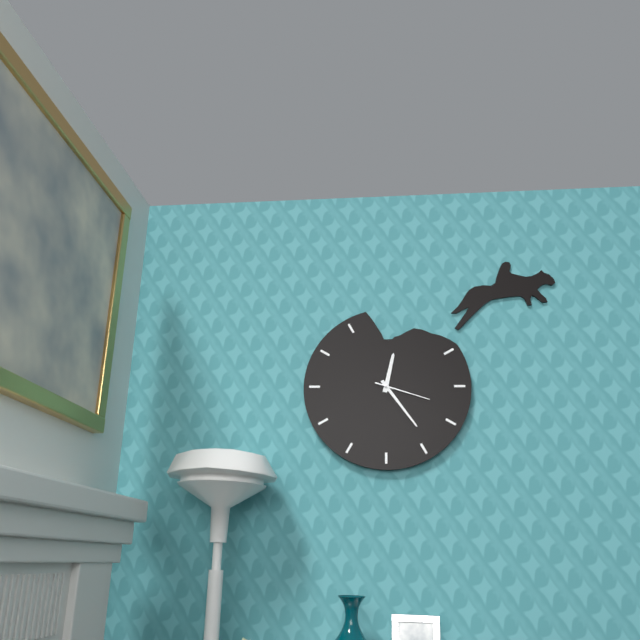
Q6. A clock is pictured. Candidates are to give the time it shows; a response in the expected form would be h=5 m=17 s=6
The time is h=12 m=24 s=18
